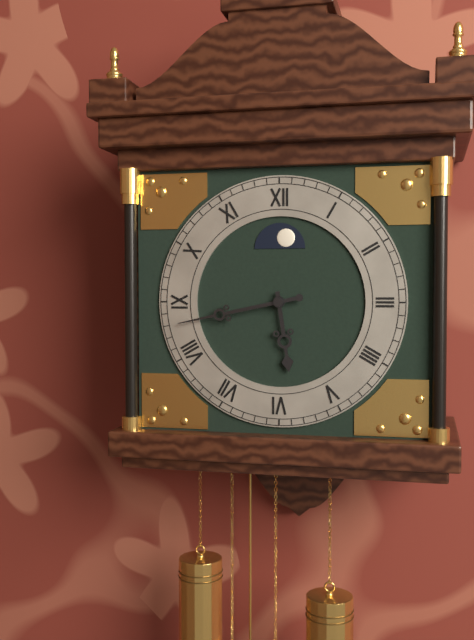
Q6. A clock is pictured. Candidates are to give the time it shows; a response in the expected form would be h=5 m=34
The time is h=5 m=43
